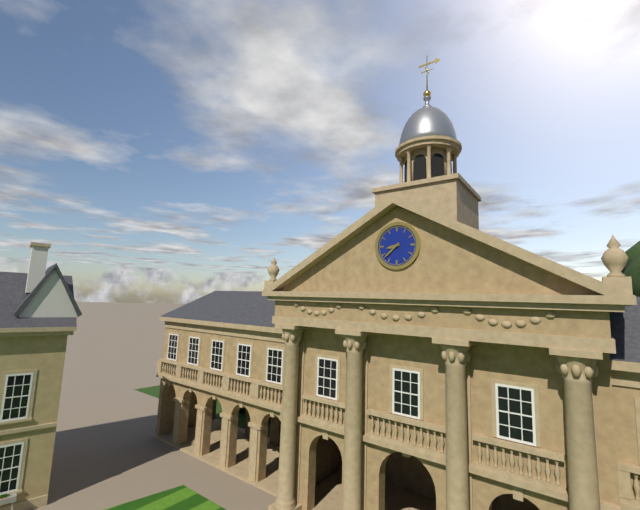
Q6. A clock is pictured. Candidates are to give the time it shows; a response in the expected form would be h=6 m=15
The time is h=8 m=38
